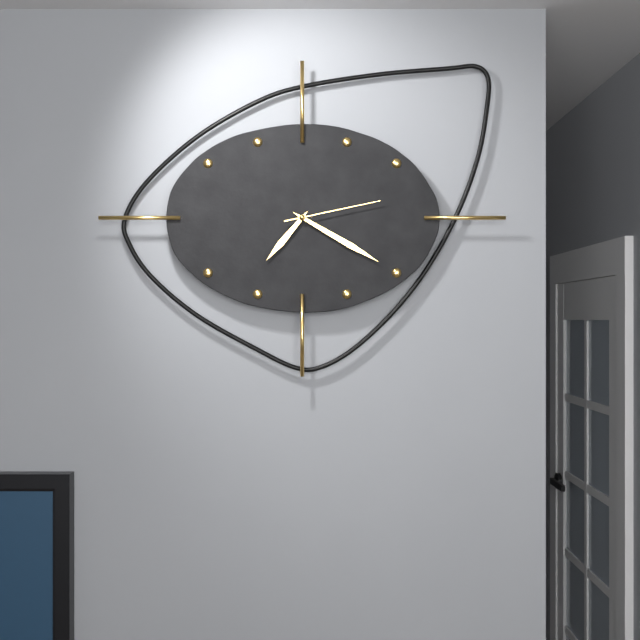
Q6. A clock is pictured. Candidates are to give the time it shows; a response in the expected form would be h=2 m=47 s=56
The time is h=7 m=20 s=13
